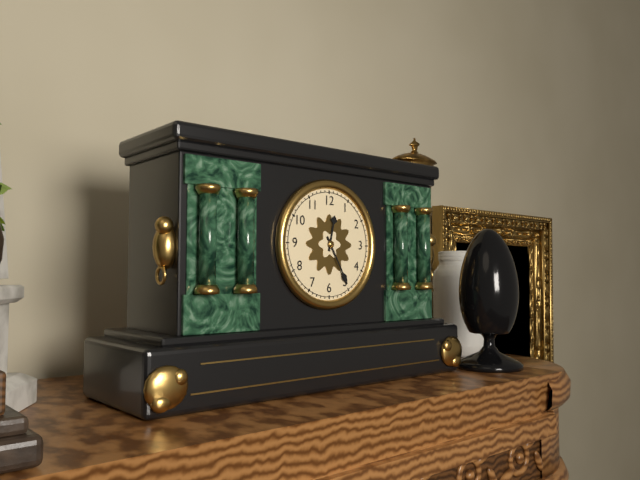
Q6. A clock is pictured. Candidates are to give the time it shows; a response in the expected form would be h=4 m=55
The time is h=12 m=25
